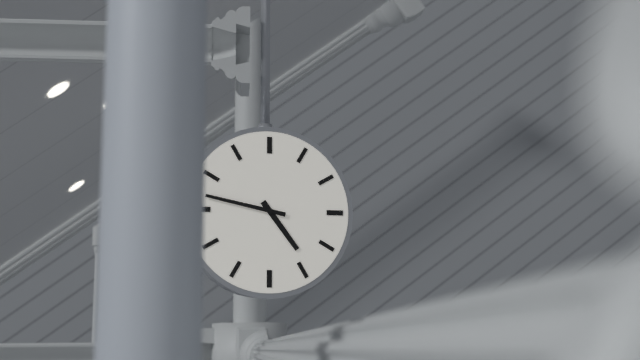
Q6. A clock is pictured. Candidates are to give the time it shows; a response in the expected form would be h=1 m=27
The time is h=4 m=47
